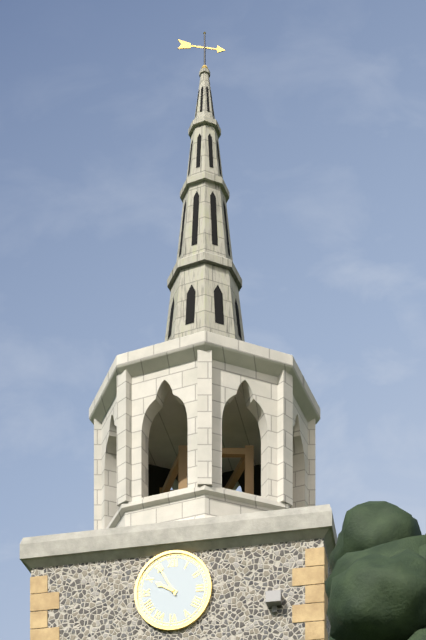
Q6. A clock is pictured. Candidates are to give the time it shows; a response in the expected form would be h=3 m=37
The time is h=9 m=55
